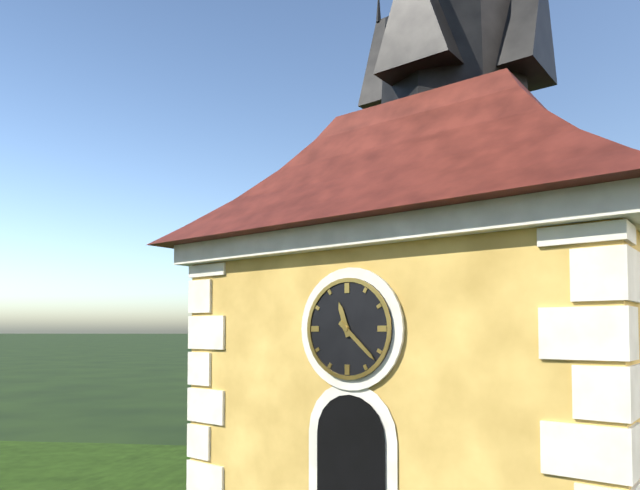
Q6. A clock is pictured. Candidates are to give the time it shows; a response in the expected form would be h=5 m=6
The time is h=11 m=22
